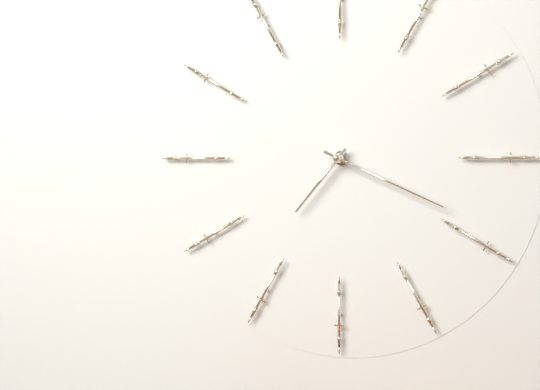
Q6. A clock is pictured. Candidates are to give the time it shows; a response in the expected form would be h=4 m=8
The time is h=7 m=19
